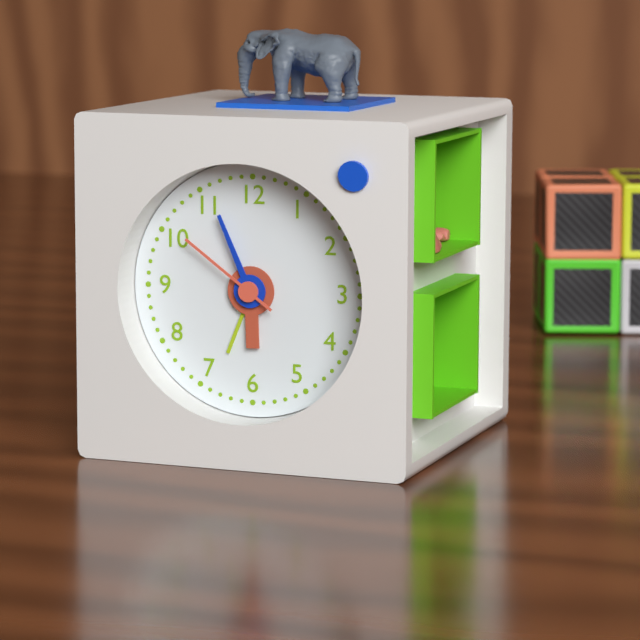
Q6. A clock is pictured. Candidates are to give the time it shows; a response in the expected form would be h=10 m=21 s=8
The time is h=5 m=56 s=51
